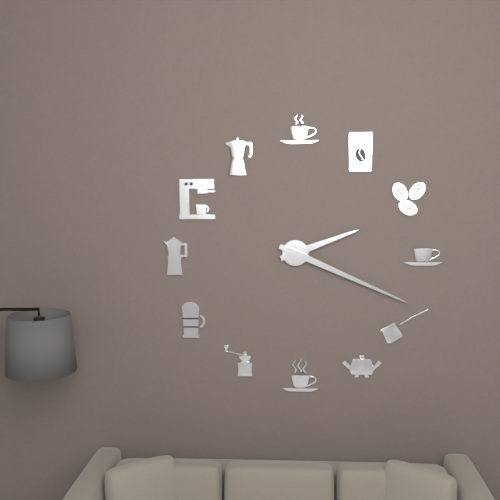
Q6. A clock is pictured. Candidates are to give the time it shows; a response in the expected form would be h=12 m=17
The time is h=2 m=19
